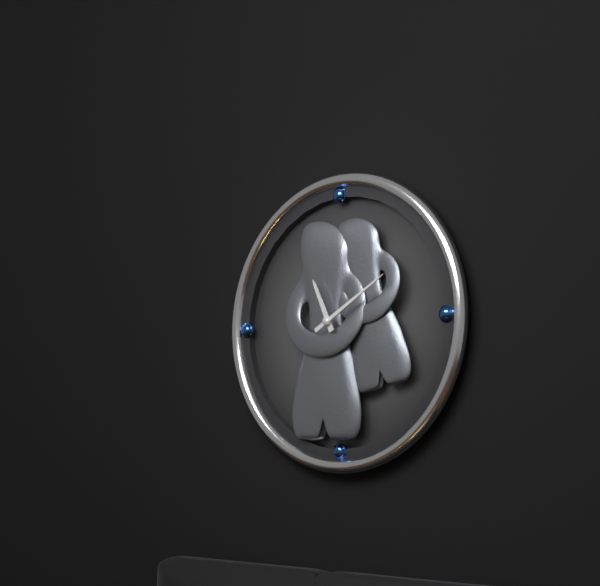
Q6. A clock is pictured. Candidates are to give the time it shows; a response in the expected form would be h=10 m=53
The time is h=11 m=10
